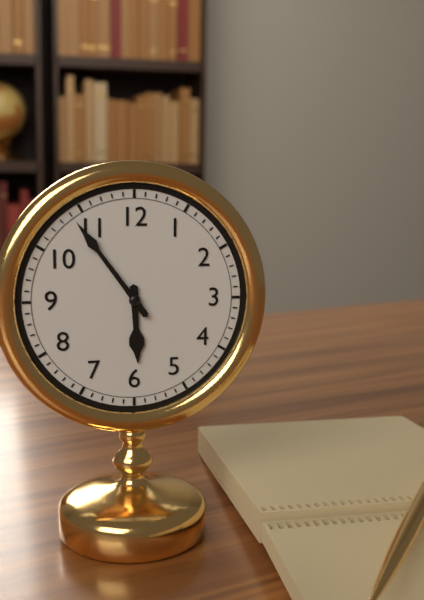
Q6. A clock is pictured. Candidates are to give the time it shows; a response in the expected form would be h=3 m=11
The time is h=5 m=54
